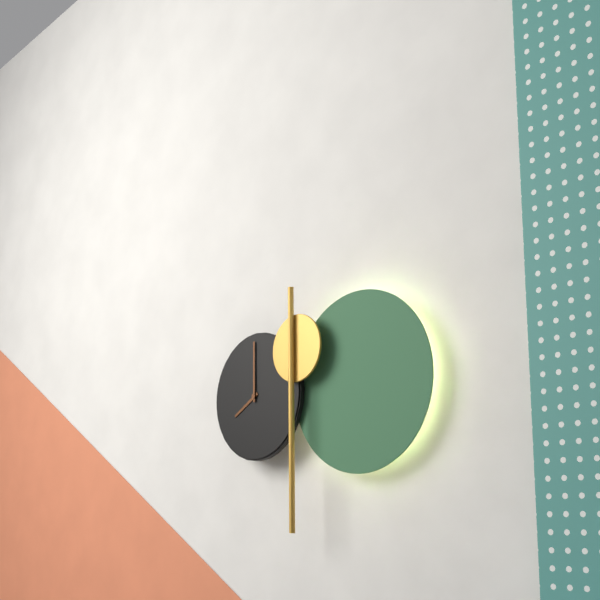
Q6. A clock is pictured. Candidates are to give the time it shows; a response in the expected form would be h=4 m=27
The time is h=8 m=0
